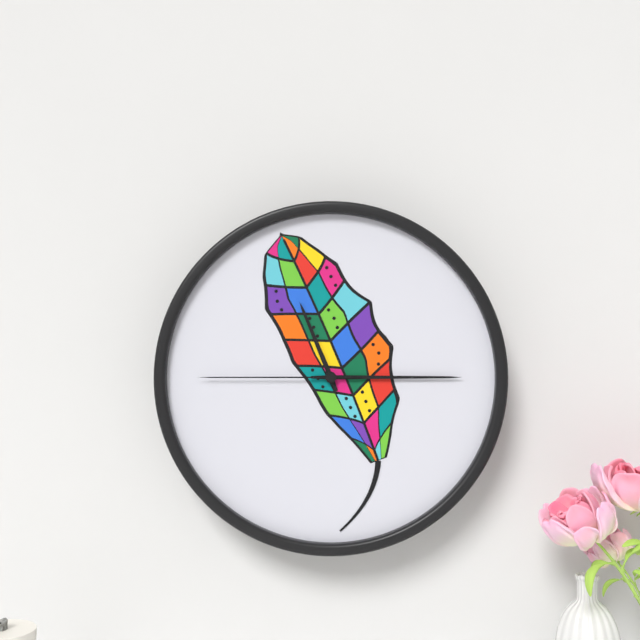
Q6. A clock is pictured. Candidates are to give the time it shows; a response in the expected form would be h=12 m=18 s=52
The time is h=11 m=15 s=45
